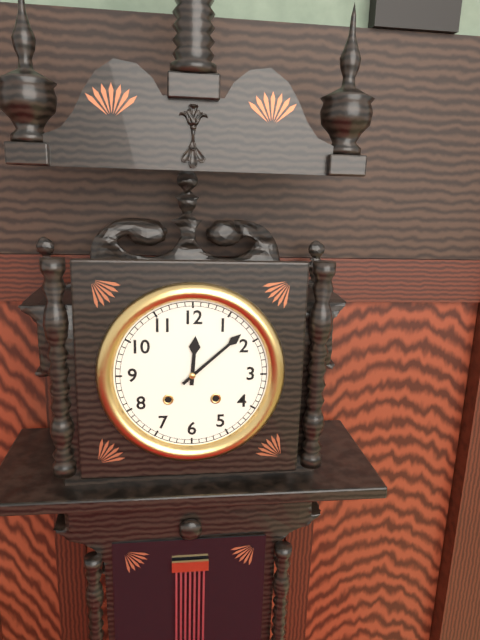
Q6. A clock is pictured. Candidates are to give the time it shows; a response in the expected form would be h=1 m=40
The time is h=12 m=8
